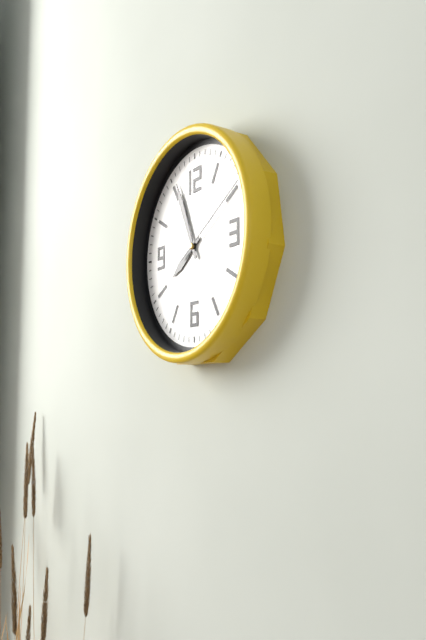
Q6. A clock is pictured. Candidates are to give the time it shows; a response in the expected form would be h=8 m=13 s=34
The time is h=7 m=56 s=10
